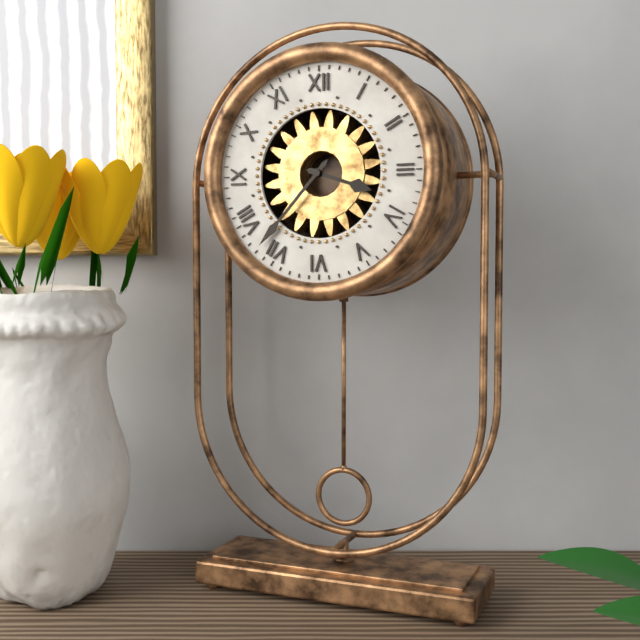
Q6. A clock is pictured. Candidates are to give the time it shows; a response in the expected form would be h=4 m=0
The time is h=3 m=37
